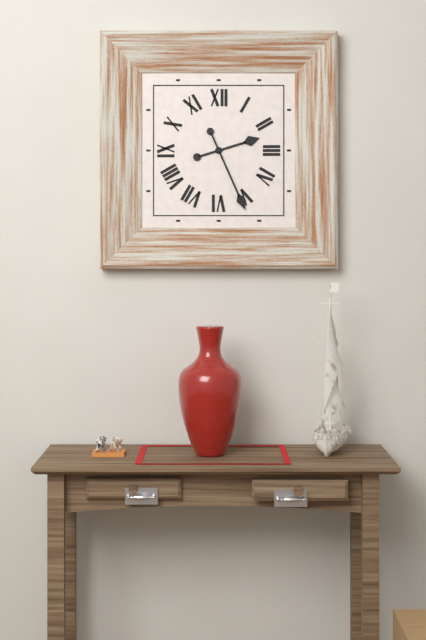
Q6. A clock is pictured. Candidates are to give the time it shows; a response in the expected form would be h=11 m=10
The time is h=2 m=26
